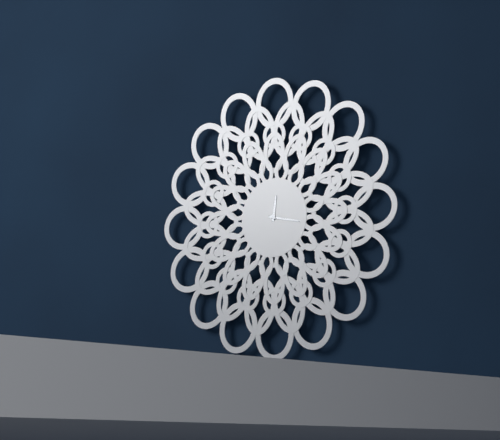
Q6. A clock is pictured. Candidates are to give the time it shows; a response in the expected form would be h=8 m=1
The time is h=12 m=17
